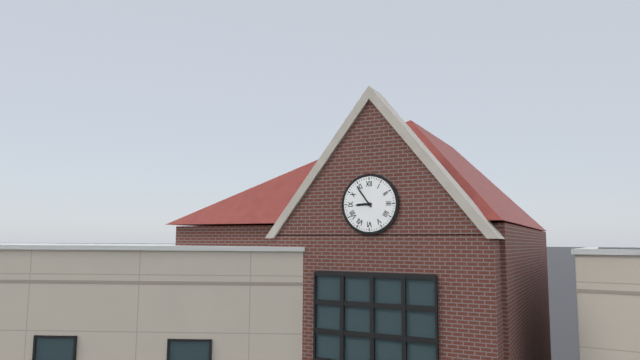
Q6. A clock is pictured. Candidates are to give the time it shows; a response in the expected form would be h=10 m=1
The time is h=8 m=54
